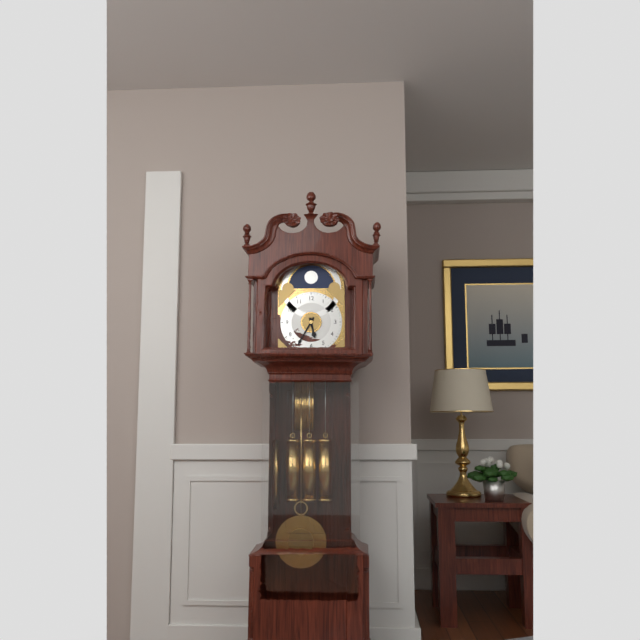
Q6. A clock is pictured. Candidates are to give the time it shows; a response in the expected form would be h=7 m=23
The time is h=5 m=35
